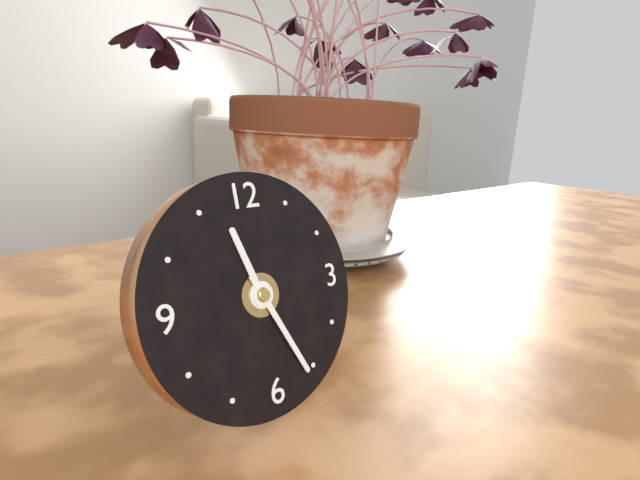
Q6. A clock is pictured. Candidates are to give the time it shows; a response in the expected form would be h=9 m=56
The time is h=11 m=26
